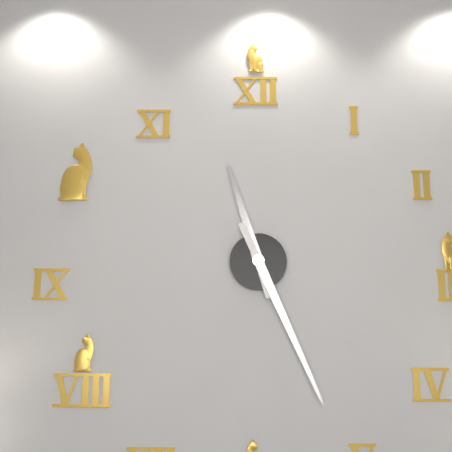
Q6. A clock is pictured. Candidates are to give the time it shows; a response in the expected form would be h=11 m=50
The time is h=11 m=26
